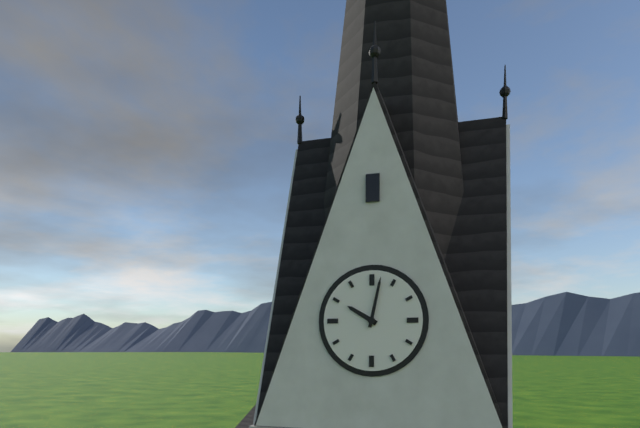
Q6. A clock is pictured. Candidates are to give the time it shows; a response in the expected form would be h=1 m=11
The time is h=10 m=2
